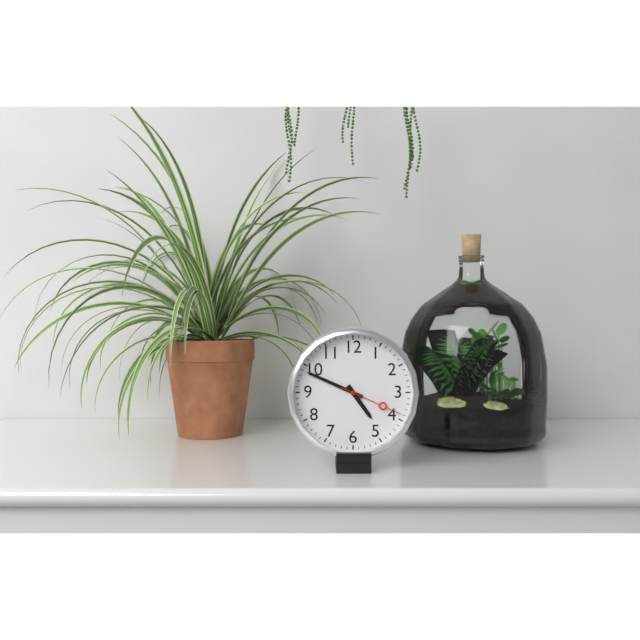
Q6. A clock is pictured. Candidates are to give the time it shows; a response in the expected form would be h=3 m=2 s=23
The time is h=4 m=49 s=19
